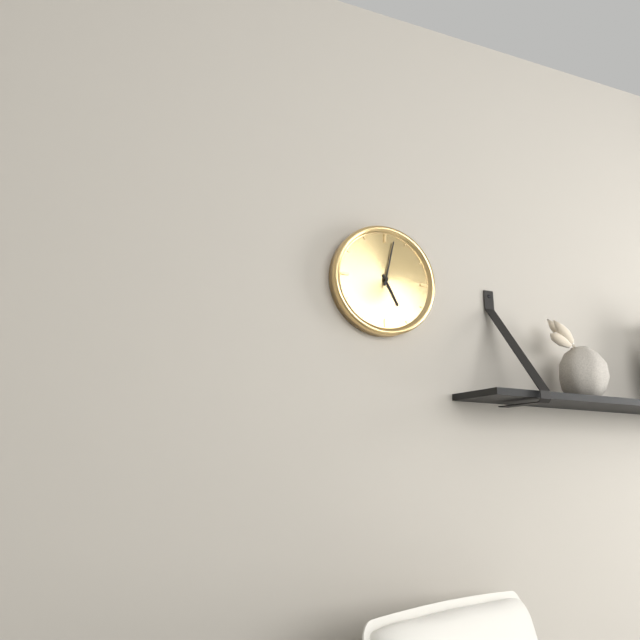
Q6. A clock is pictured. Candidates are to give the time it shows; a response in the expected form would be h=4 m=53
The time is h=5 m=2
